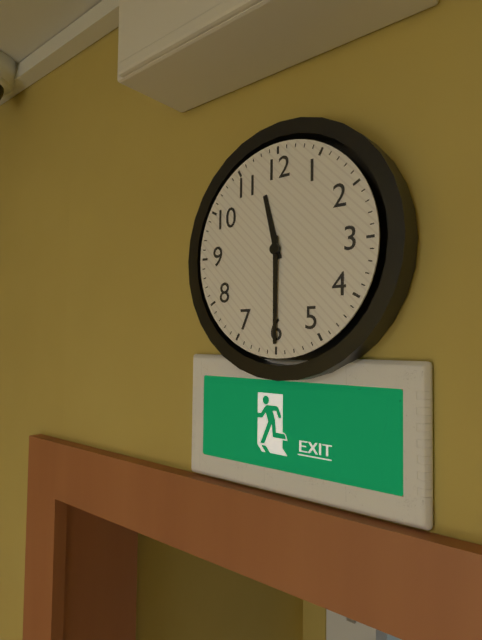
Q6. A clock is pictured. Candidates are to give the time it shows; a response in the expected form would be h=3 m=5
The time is h=11 m=30
